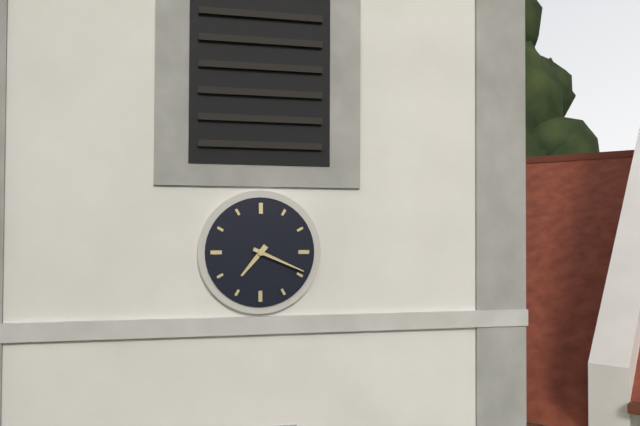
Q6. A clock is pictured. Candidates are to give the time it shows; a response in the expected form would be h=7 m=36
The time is h=7 m=19
